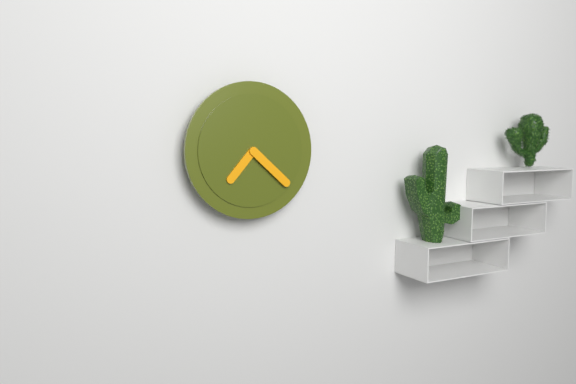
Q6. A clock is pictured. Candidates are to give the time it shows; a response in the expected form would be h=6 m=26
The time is h=7 m=22
